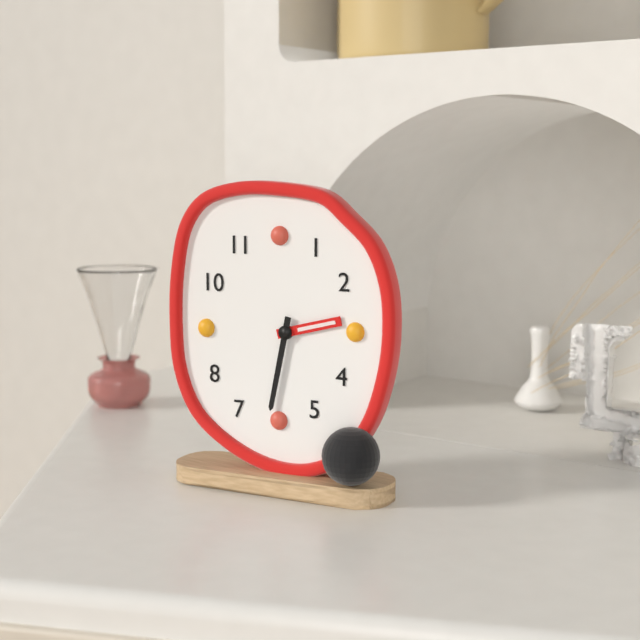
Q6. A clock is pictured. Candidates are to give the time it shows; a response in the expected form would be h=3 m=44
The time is h=2 m=32
